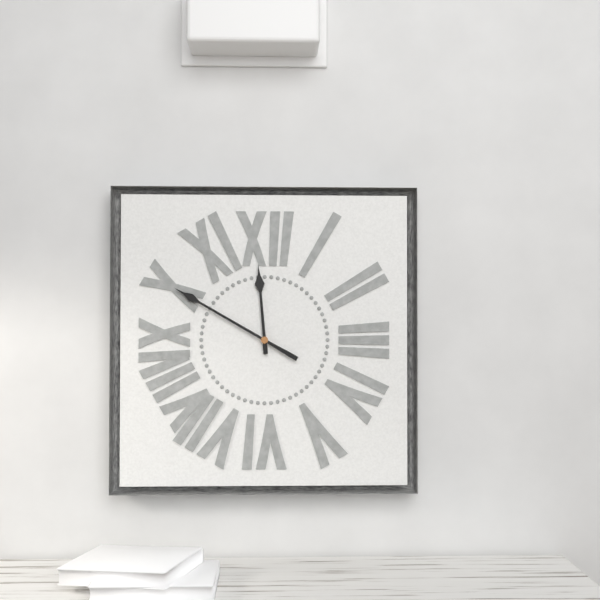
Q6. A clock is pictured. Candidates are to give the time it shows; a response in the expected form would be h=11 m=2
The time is h=11 m=50
